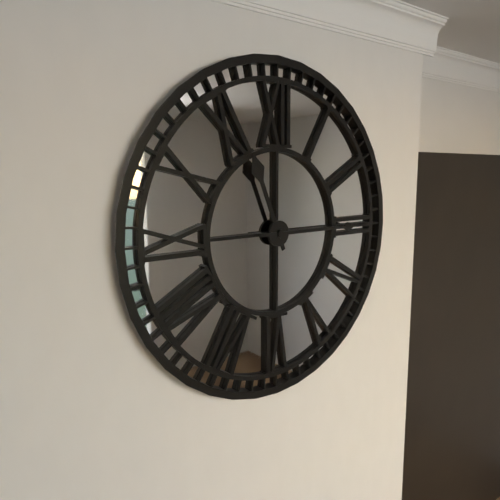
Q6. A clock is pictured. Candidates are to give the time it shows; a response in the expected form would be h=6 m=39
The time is h=11 m=15
